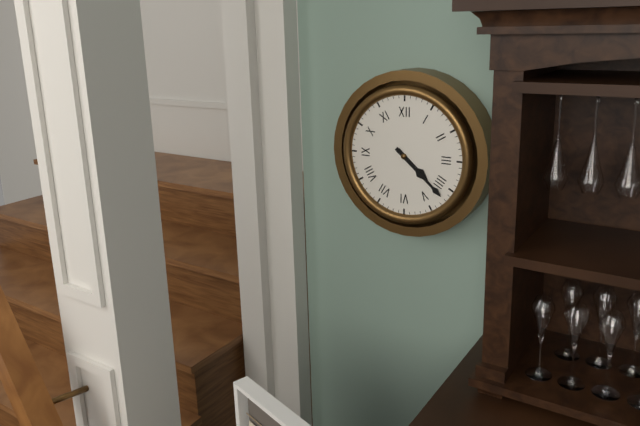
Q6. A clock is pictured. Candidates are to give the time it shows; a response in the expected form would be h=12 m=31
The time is h=4 m=22
